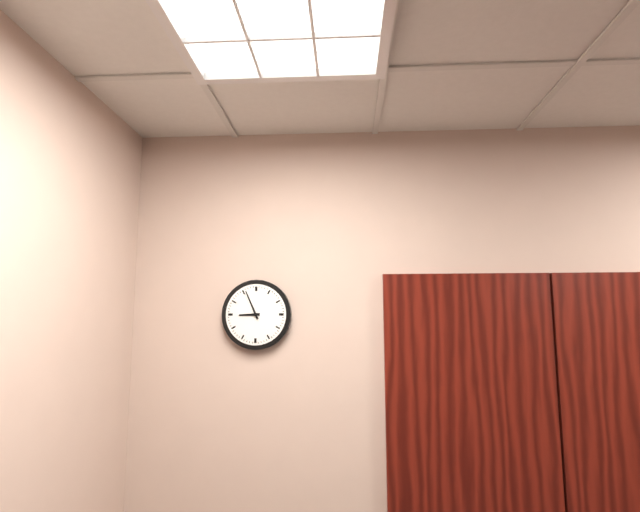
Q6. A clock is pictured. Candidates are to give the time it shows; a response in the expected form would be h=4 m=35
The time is h=8 m=56
